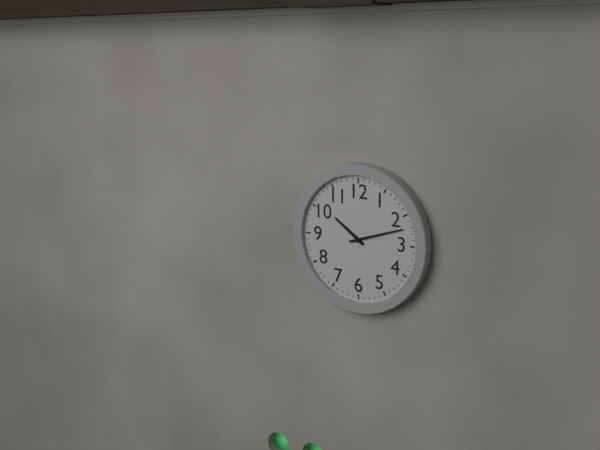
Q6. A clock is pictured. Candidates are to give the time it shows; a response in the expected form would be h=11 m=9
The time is h=10 m=12
